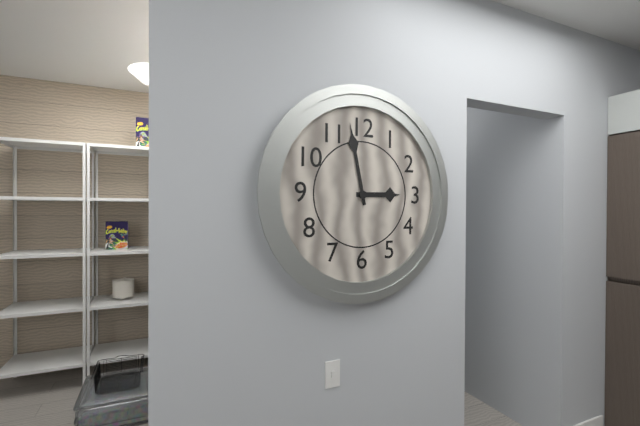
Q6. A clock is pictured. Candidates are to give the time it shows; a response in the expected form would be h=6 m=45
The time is h=2 m=58
